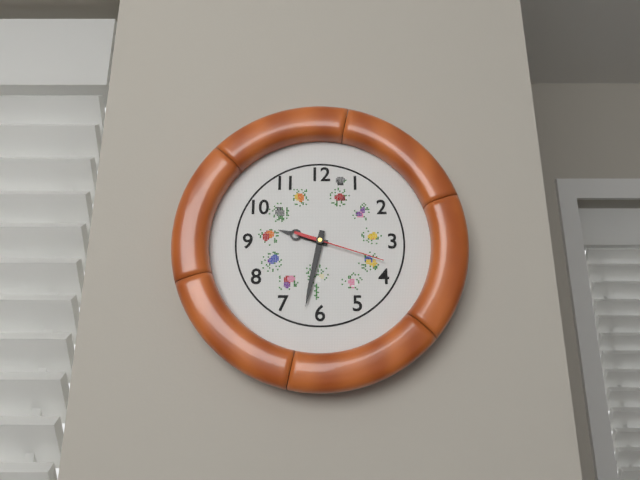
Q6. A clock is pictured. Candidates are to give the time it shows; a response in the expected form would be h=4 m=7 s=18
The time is h=9 m=32 s=18
